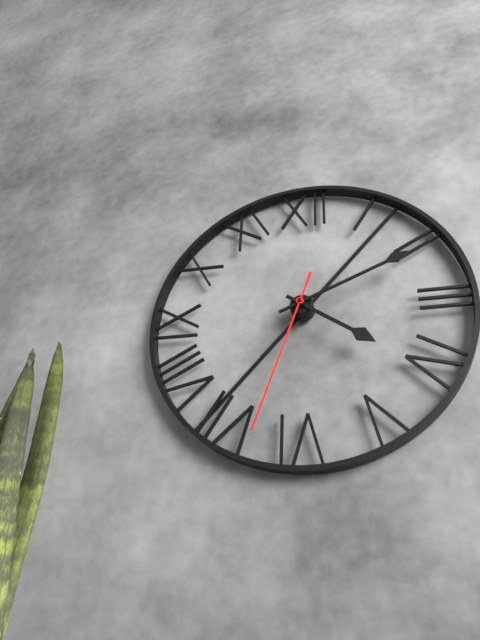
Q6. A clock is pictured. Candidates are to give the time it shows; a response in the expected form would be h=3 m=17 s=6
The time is h=4 m=11 s=33
